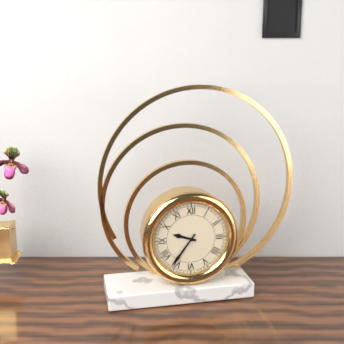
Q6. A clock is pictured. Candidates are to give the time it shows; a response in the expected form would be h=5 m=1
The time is h=9 m=36
